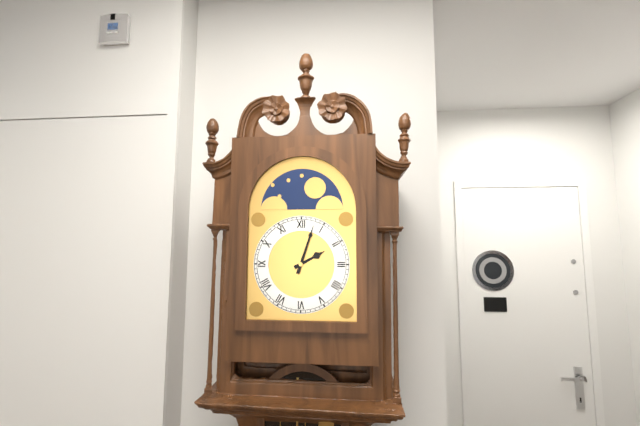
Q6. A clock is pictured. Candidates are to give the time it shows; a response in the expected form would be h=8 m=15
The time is h=2 m=3
